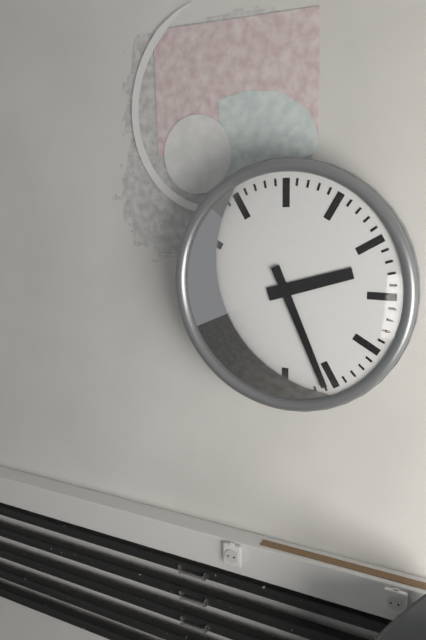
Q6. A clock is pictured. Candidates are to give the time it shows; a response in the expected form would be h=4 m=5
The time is h=2 m=26
